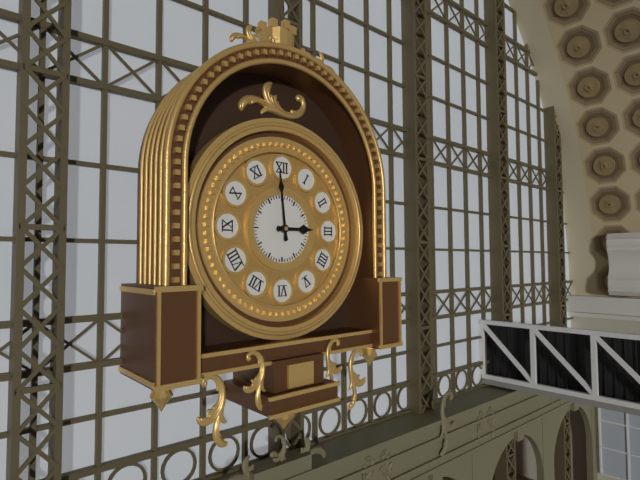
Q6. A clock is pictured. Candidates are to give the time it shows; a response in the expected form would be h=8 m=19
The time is h=2 m=59
